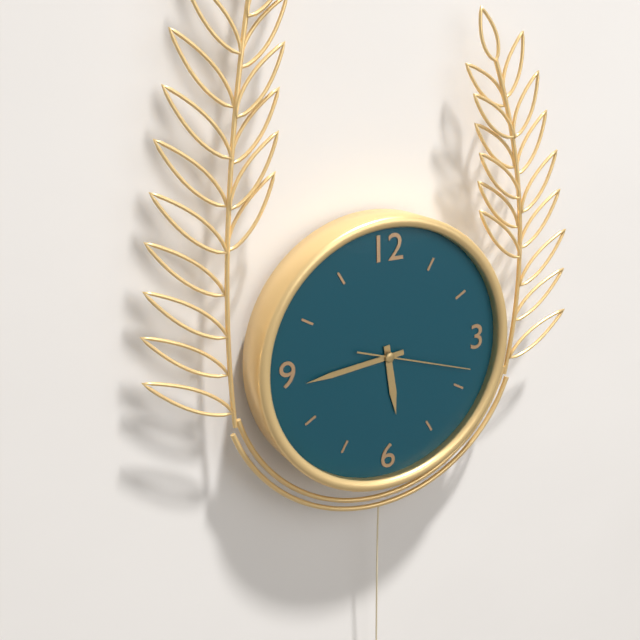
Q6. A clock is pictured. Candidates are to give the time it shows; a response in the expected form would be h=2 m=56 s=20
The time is h=5 m=44 s=18
